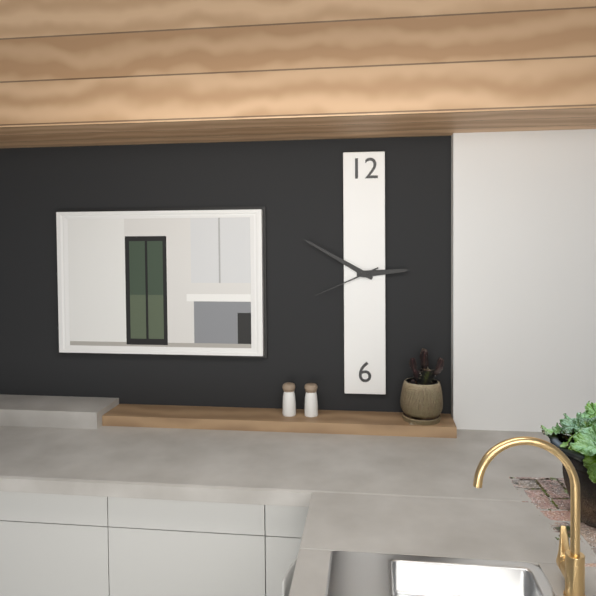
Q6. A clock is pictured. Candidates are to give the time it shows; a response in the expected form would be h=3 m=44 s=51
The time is h=2 m=50 s=41
